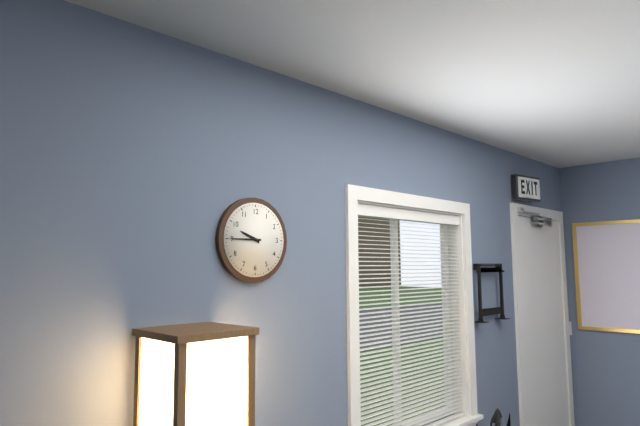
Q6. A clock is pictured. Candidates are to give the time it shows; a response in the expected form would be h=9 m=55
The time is h=9 m=45
